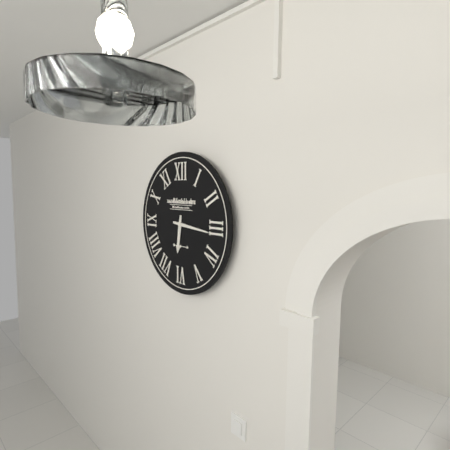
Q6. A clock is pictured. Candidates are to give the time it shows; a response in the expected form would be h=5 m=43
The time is h=6 m=16
